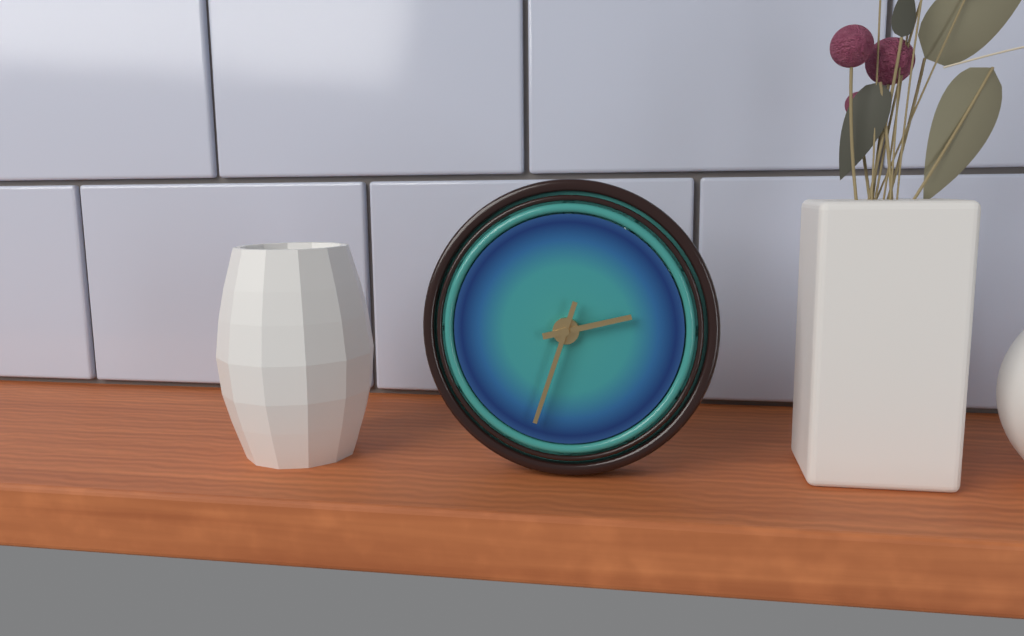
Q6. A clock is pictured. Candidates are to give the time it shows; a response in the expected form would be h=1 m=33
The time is h=2 m=33
